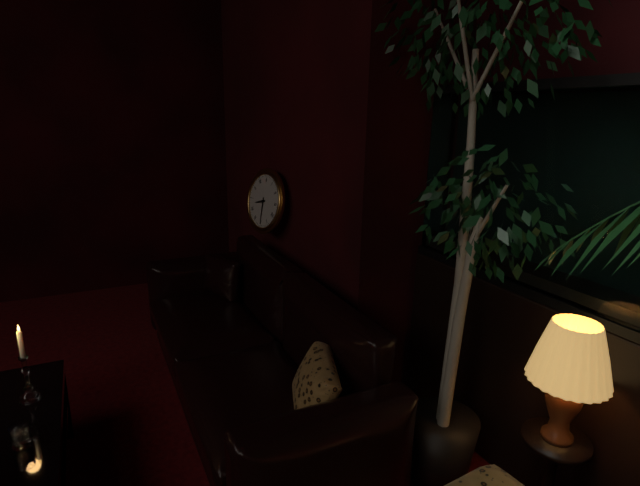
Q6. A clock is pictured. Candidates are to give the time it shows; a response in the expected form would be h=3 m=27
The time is h=8 m=30
